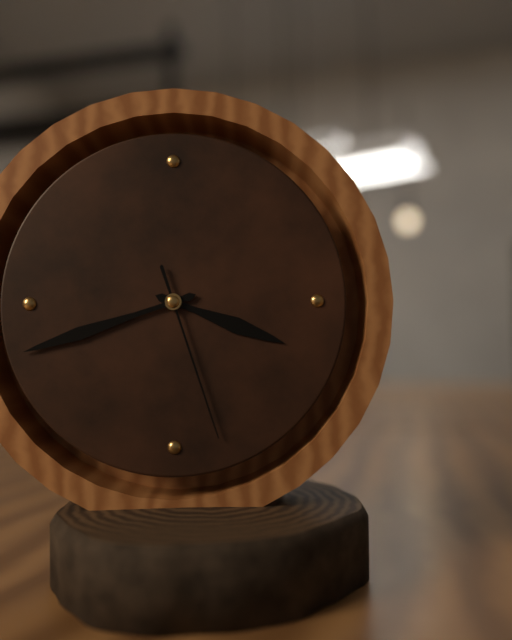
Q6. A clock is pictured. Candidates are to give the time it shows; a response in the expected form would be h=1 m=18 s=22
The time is h=3 m=42 s=27
